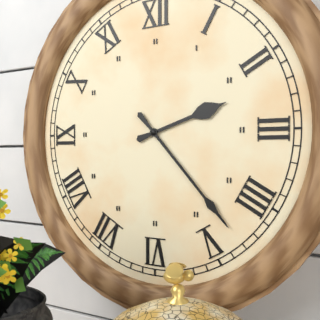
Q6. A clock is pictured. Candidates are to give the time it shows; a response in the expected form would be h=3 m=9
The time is h=2 m=23
